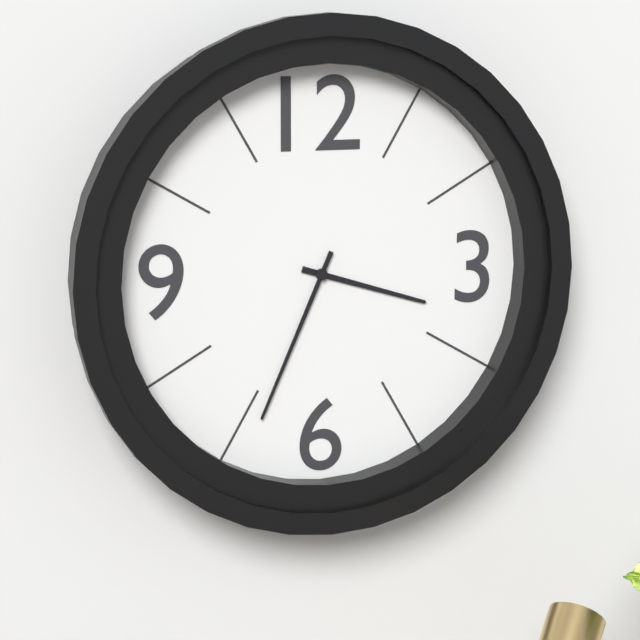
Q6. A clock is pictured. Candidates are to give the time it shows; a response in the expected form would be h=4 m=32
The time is h=3 m=34
